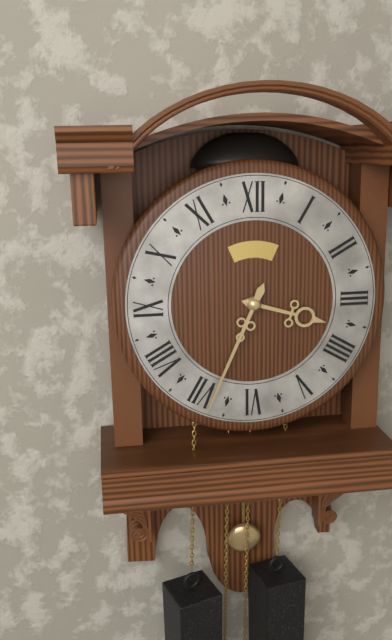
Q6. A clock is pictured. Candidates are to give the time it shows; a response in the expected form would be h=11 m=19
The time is h=3 m=34
